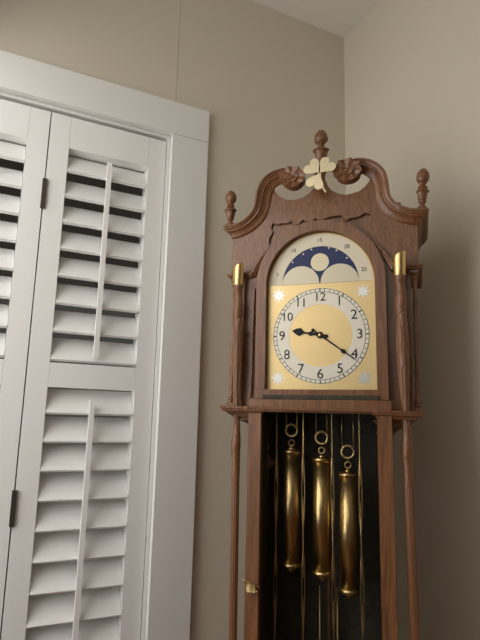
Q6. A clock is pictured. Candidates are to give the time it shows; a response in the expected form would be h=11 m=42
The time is h=9 m=21
